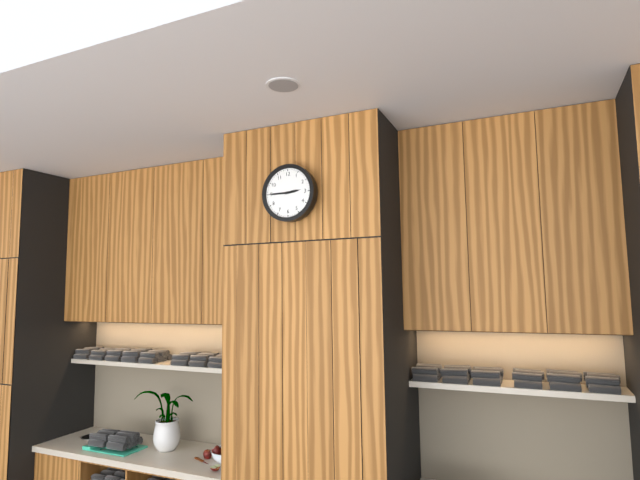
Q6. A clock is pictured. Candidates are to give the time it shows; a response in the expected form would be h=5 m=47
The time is h=2 m=45
